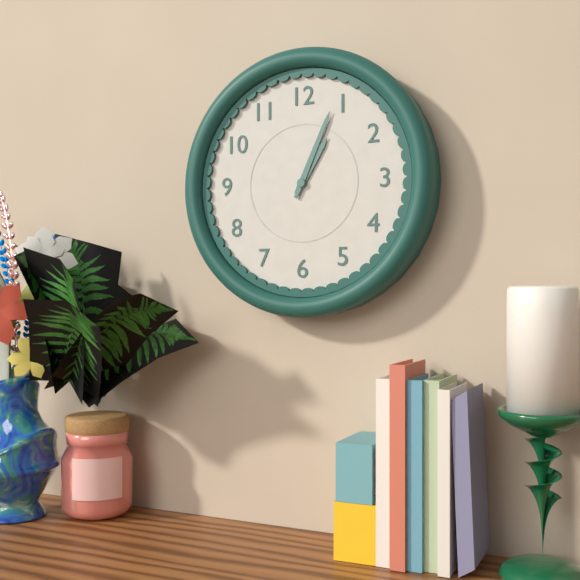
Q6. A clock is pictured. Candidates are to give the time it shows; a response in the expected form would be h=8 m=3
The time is h=1 m=4
